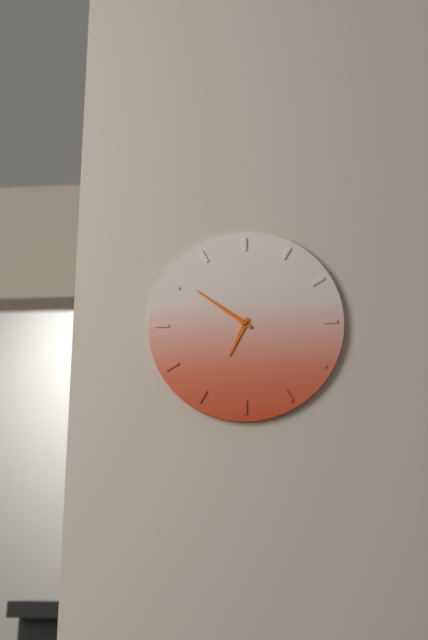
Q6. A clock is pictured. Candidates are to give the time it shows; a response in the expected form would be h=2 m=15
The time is h=6 m=51
